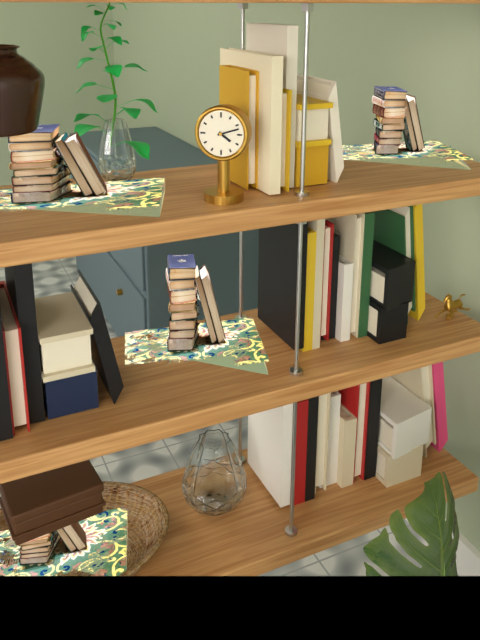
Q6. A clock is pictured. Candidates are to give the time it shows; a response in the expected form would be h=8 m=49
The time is h=4 m=12
